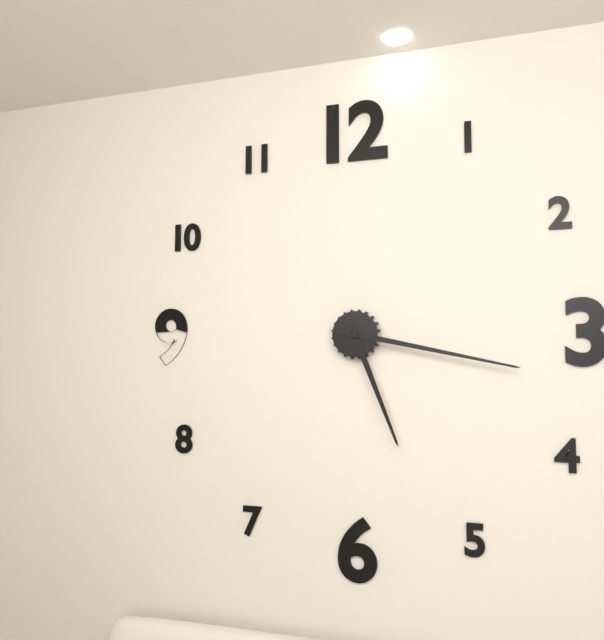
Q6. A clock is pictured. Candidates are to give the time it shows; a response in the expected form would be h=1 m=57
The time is h=5 m=17
